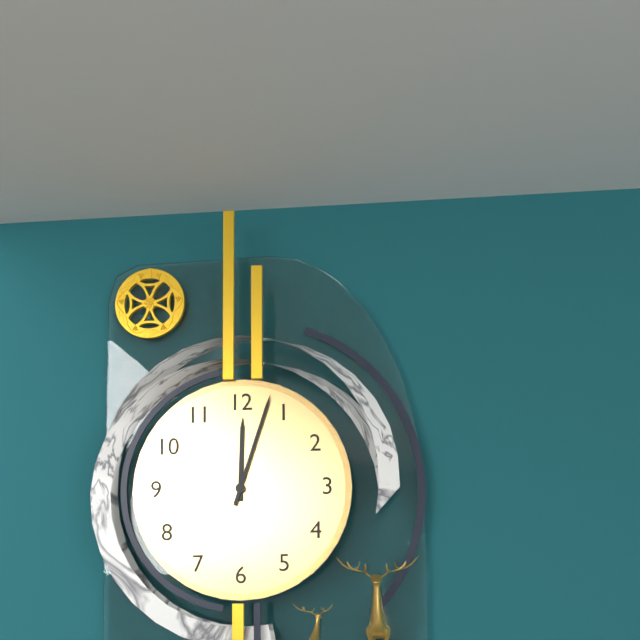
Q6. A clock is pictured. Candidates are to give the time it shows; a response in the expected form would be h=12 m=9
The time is h=12 m=3
